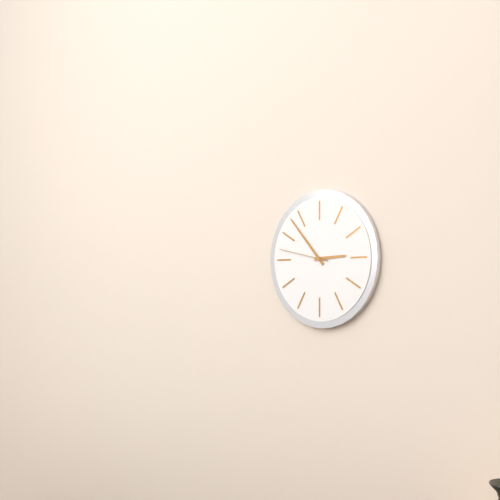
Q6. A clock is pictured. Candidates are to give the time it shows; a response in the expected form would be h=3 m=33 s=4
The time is h=2 m=53 s=47
